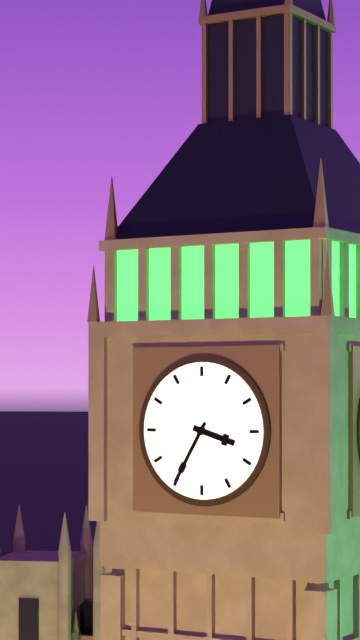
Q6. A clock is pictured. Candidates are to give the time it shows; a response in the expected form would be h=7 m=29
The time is h=3 m=35
